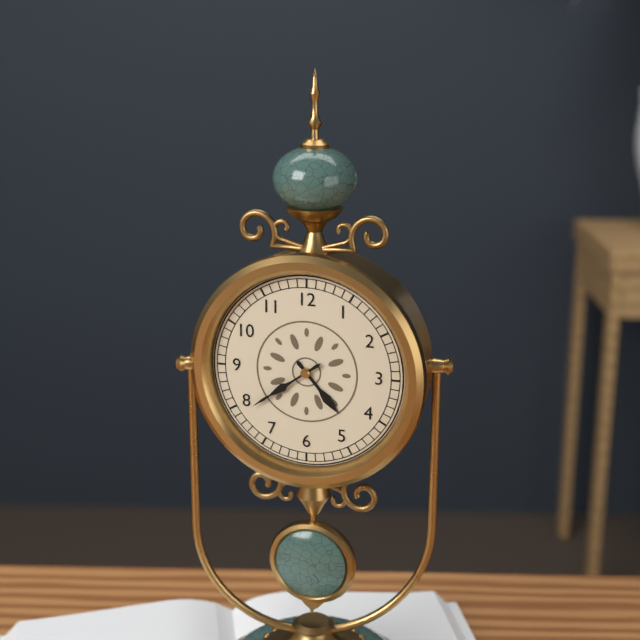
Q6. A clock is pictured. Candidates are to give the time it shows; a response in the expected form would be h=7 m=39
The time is h=4 m=39
